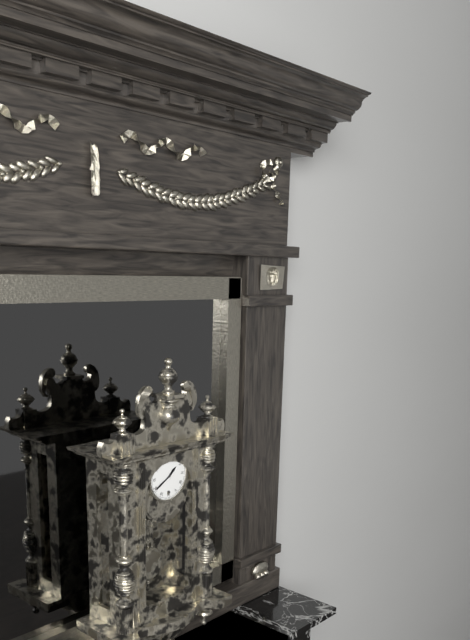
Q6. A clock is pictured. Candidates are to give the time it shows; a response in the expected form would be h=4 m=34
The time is h=1 m=40
